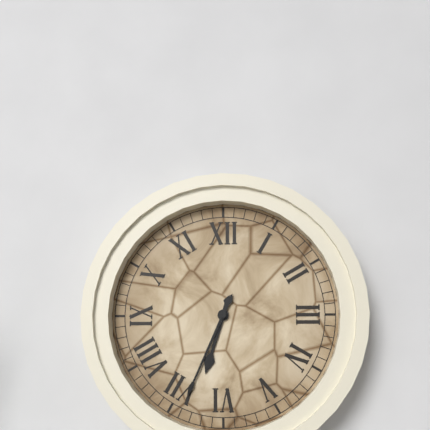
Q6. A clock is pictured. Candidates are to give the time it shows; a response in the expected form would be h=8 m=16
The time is h=6 m=34
